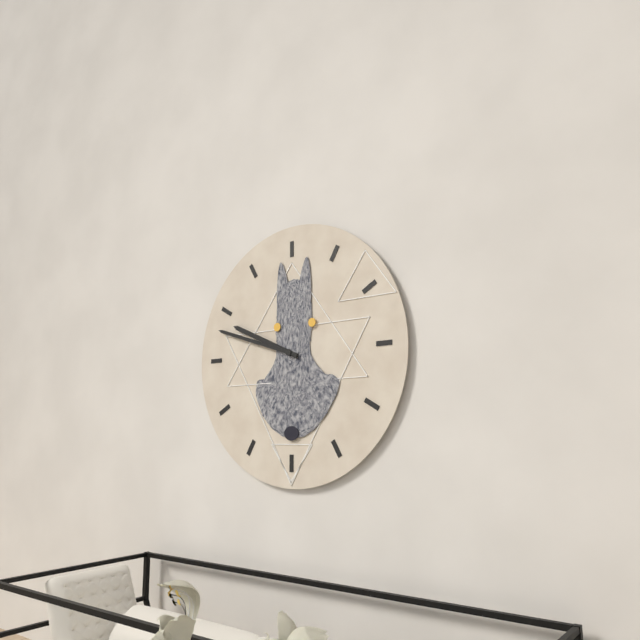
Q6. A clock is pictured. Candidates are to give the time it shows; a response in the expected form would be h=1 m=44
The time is h=9 m=48
